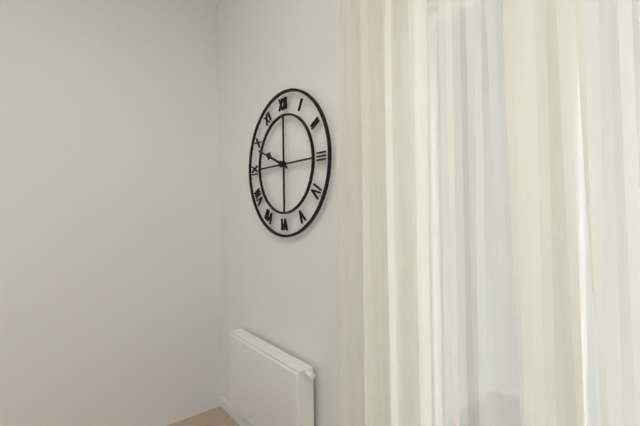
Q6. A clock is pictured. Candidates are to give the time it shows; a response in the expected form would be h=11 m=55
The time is h=9 m=49
